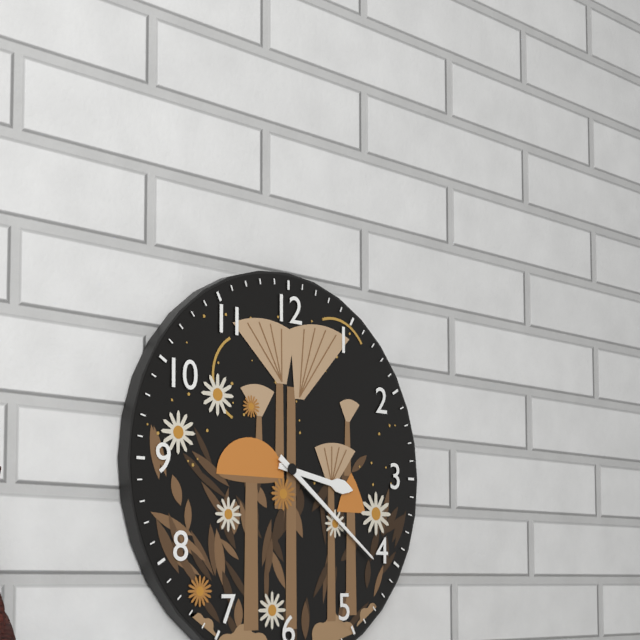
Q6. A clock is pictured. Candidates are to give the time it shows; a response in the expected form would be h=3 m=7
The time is h=3 m=21
